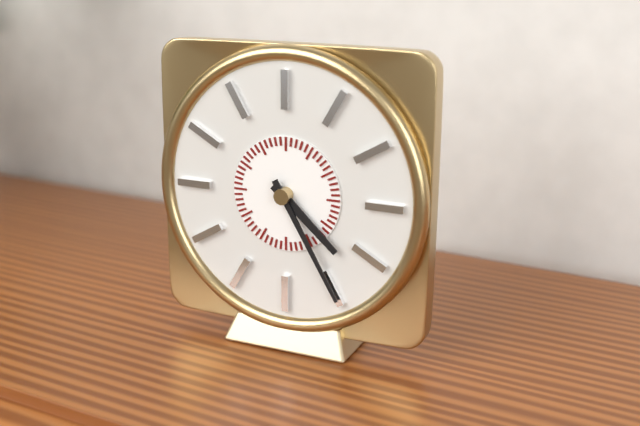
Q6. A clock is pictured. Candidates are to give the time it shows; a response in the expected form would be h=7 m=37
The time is h=4 m=25
